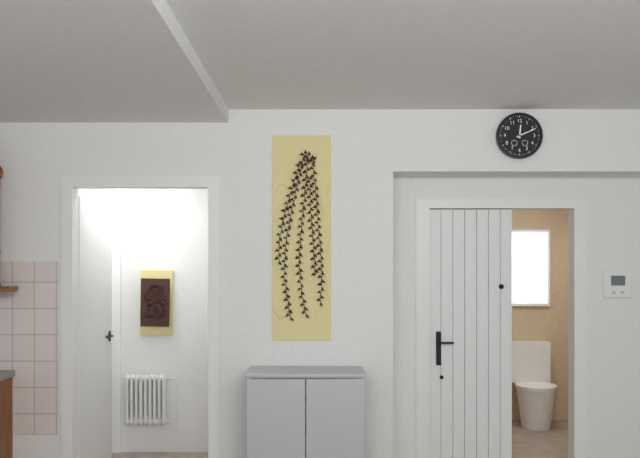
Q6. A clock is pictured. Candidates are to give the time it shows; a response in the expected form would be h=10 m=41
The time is h=12 m=11
